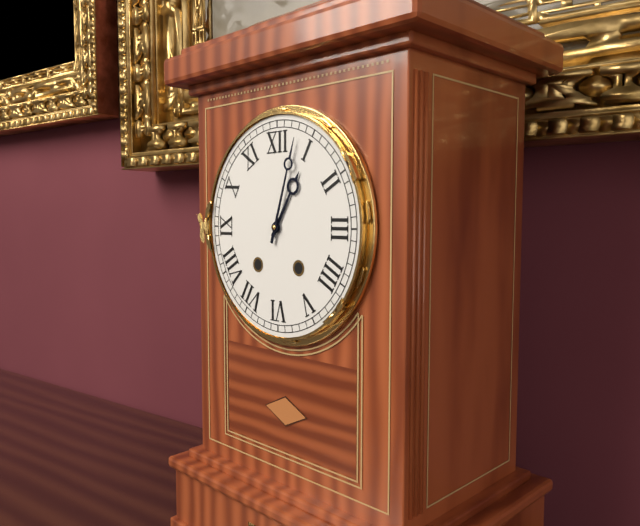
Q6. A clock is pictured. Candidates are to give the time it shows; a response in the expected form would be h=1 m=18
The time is h=1 m=3
